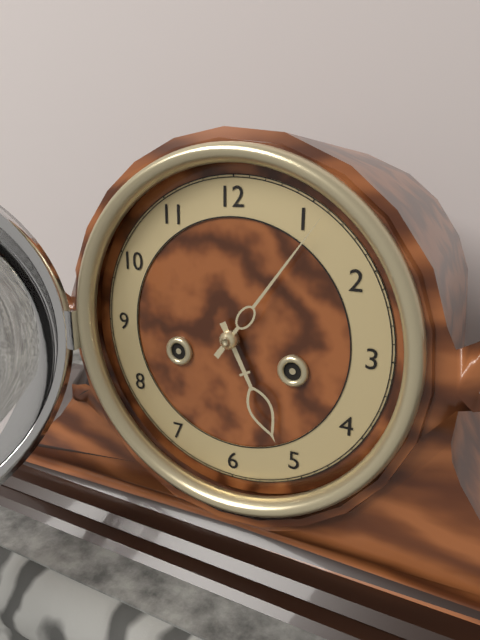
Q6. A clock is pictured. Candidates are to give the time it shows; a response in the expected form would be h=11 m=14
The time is h=5 m=6
